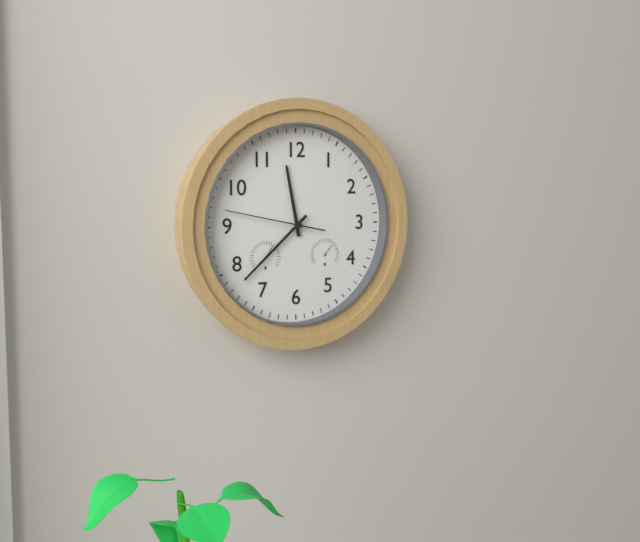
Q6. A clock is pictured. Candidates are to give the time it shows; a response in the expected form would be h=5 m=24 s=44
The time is h=11 m=38 s=47
